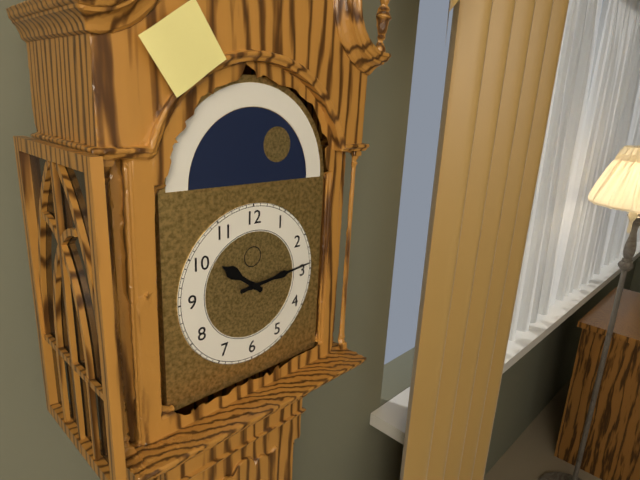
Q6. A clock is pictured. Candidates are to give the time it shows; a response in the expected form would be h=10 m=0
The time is h=10 m=14
